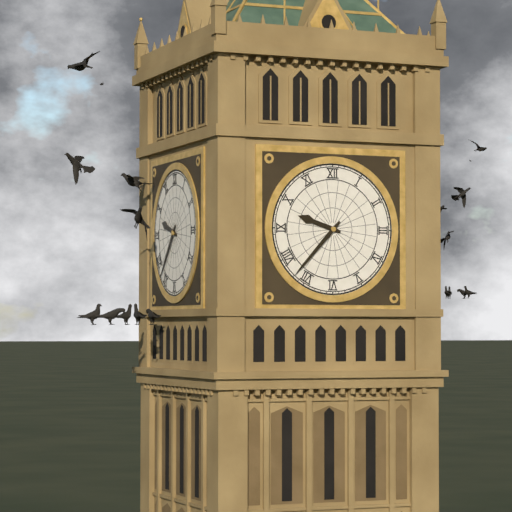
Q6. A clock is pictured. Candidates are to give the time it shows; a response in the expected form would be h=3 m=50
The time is h=9 m=37
